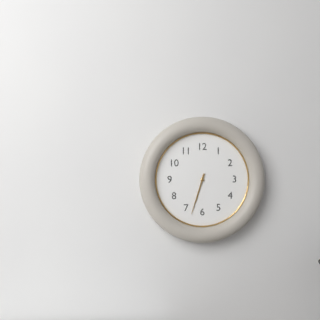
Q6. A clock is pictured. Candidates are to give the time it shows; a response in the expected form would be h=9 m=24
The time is h=6 m=33
